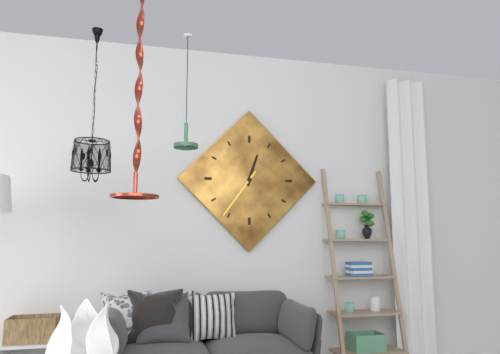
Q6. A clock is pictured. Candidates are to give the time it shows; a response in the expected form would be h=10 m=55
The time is h=12 m=36
